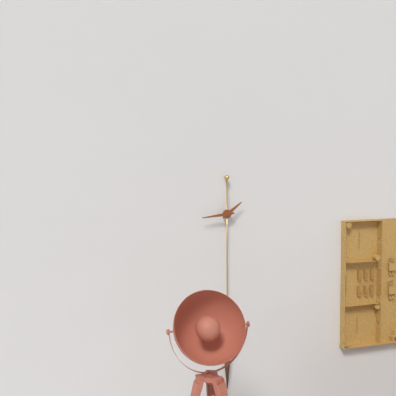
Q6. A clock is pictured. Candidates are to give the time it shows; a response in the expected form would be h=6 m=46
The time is h=1 m=44
